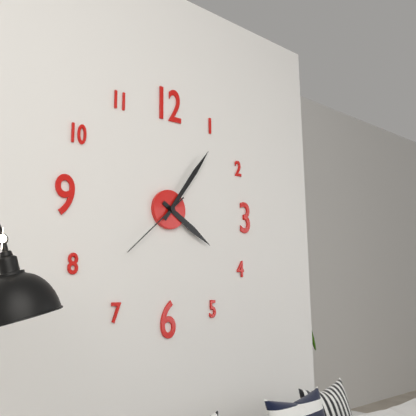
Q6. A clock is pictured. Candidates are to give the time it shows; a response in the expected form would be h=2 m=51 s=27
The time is h=4 m=6 s=38
